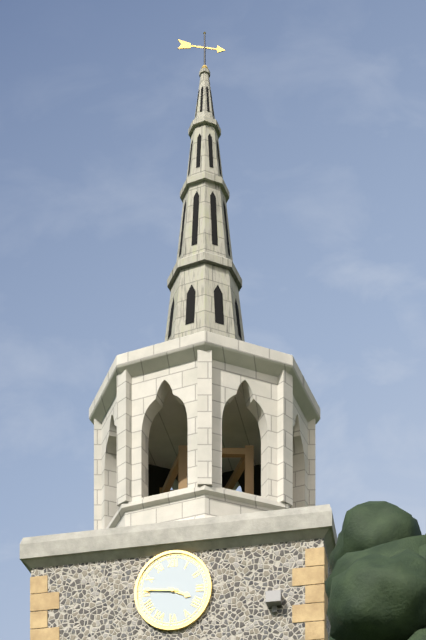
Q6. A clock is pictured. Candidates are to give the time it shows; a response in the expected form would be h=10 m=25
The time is h=3 m=46
